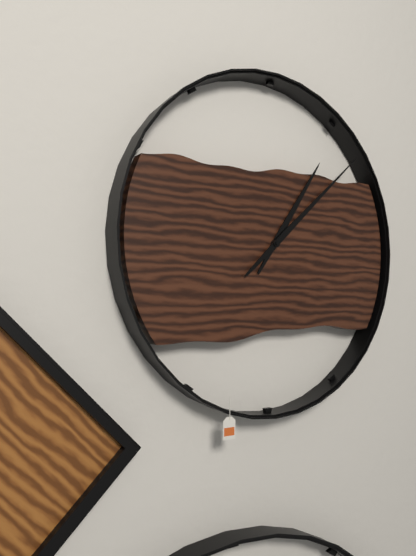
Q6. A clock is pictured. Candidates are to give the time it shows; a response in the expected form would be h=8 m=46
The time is h=1 m=8
